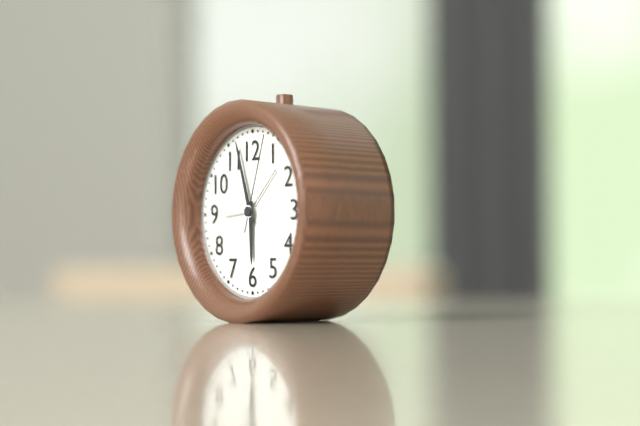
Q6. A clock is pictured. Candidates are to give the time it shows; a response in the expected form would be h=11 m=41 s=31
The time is h=5 m=57 s=3
